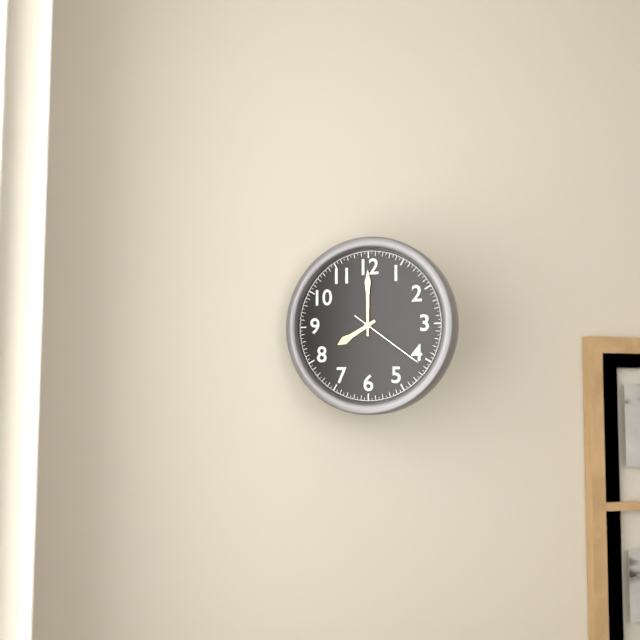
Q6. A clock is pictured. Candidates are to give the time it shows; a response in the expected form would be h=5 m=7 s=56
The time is h=8 m=0 s=21
